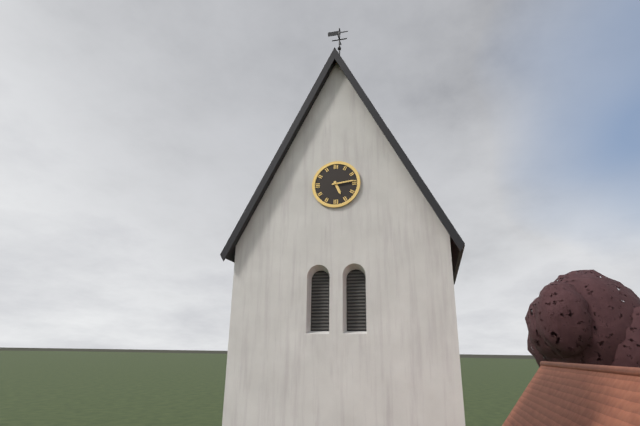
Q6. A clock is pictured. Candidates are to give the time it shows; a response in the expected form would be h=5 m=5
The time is h=5 m=14
